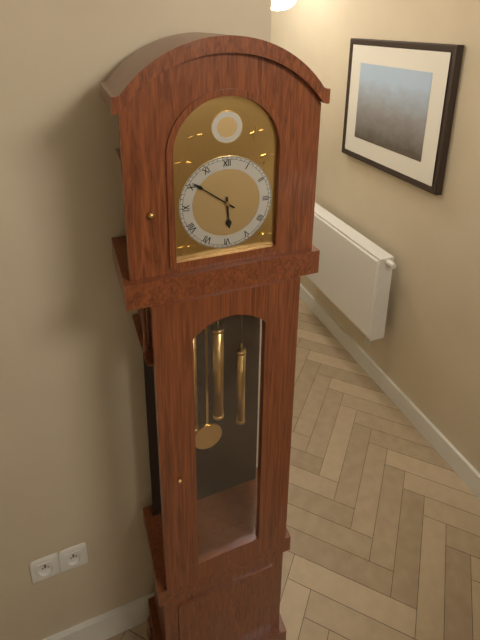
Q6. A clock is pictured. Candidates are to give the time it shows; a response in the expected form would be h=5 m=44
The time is h=5 m=51
